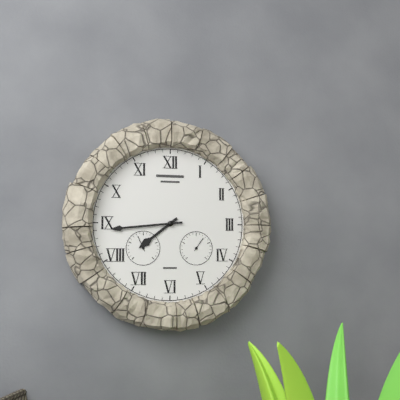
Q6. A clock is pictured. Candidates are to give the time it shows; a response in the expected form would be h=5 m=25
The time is h=7 m=44
